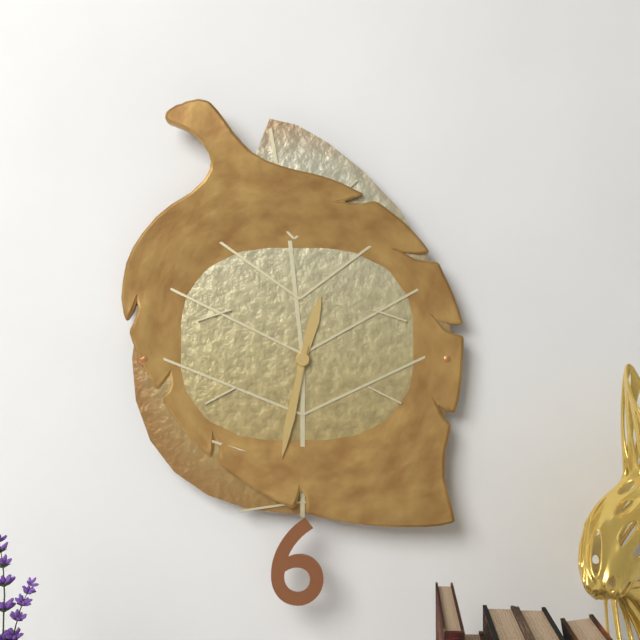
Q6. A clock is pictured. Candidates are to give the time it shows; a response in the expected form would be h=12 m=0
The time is h=12 m=32
